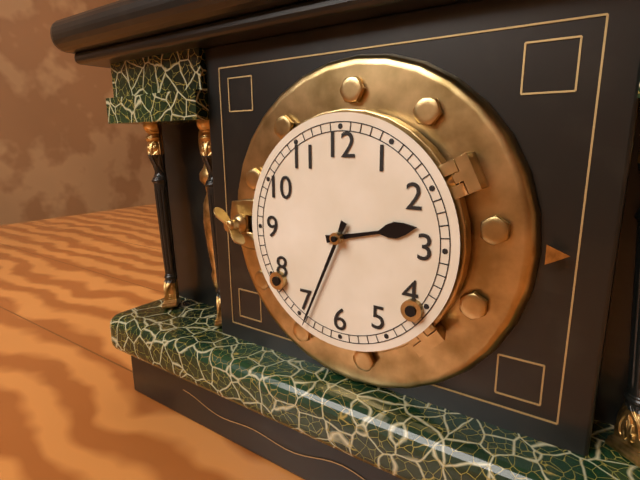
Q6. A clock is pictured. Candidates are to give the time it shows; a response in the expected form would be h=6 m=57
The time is h=2 m=34
